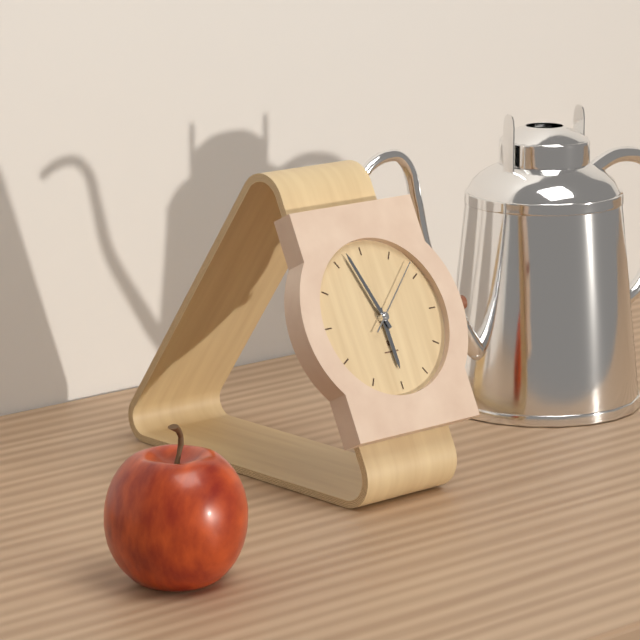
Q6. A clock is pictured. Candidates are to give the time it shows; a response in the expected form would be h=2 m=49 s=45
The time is h=5 m=57 s=8
